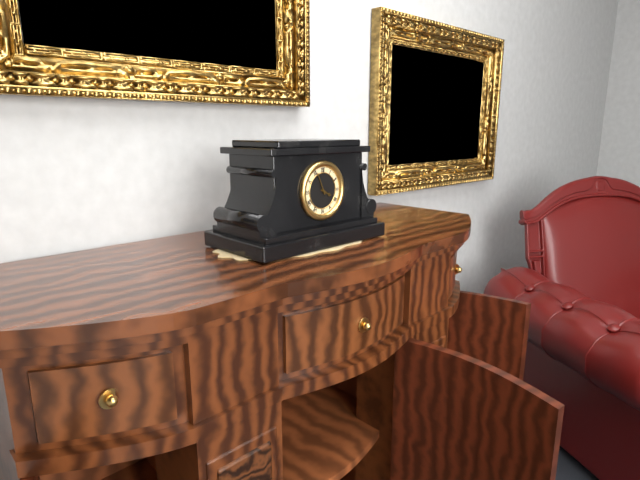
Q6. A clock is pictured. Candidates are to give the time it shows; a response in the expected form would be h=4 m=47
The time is h=3 m=56
